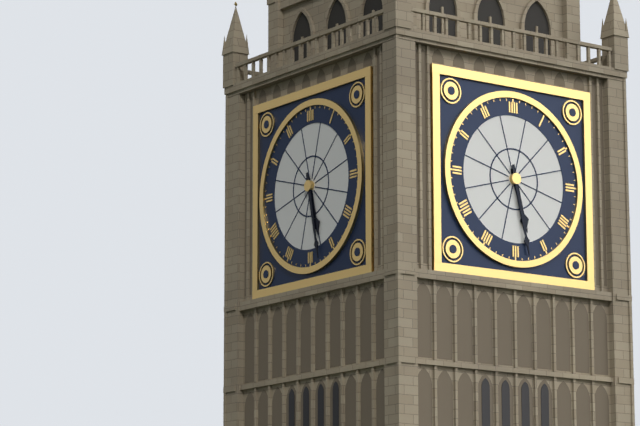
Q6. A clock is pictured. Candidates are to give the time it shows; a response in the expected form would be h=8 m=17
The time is h=5 m=28
